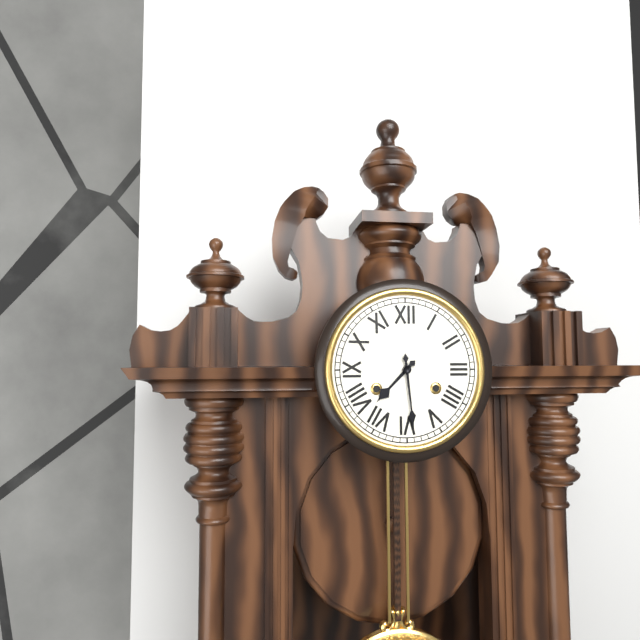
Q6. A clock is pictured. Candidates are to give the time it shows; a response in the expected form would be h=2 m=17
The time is h=7 m=29
